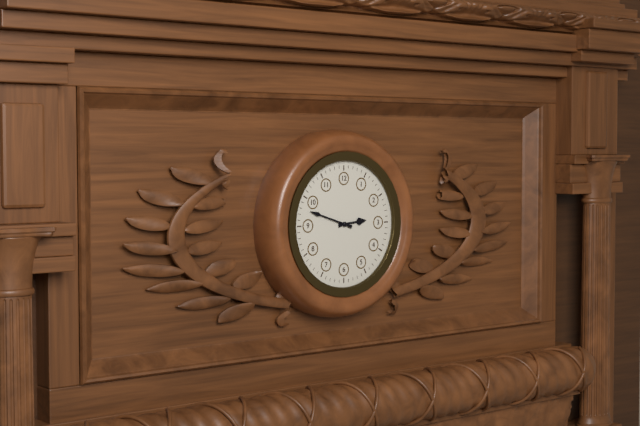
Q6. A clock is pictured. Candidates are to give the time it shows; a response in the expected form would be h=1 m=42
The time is h=2 m=48
